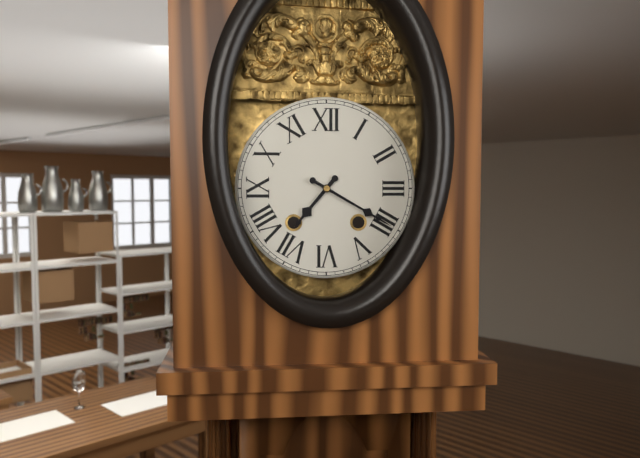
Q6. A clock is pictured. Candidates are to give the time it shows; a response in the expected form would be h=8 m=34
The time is h=7 m=20
